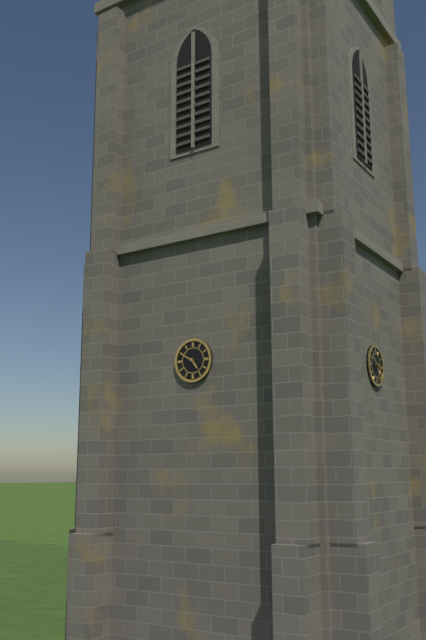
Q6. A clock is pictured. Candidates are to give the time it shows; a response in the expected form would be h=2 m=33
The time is h=4 m=50
